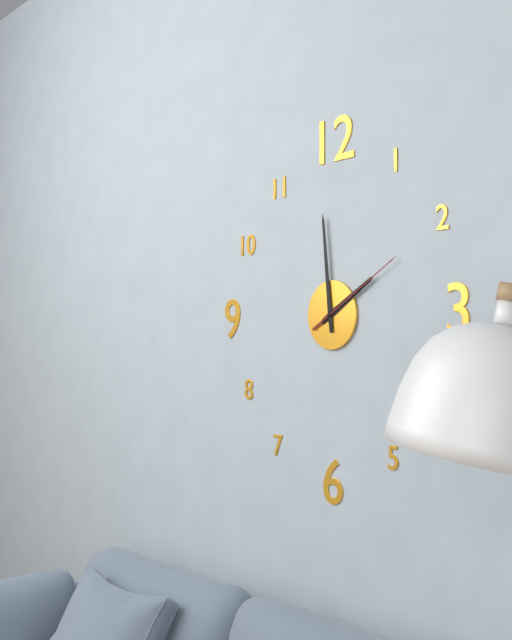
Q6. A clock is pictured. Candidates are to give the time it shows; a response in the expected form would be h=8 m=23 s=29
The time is h=1 m=59 s=10
